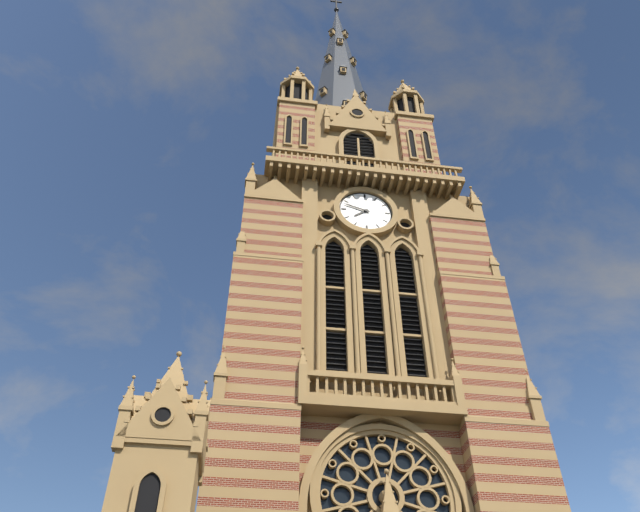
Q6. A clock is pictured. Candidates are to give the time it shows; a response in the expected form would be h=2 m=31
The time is h=7 m=48
